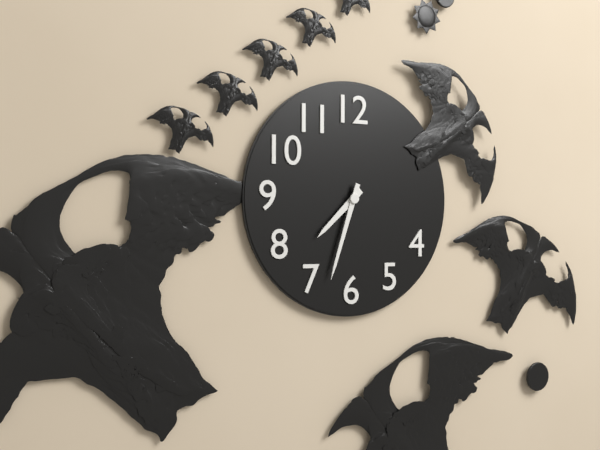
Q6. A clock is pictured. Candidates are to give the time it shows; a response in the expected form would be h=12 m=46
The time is h=7 m=33
